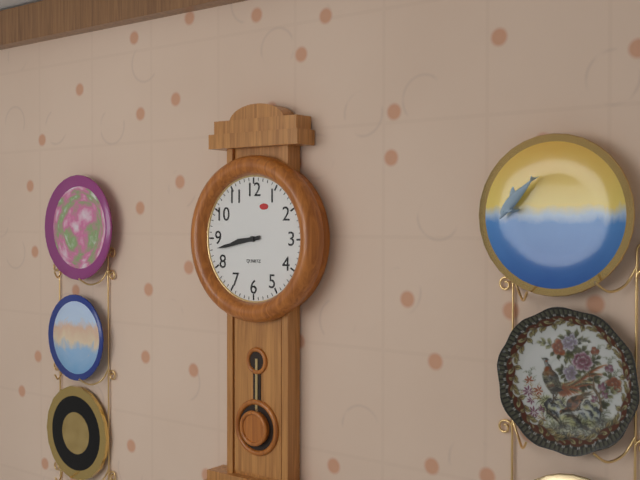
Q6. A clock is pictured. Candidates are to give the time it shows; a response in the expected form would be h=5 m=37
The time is h=8 m=43
